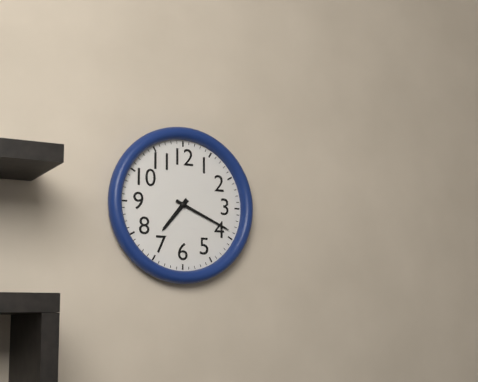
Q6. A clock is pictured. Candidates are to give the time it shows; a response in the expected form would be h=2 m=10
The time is h=7 m=19
